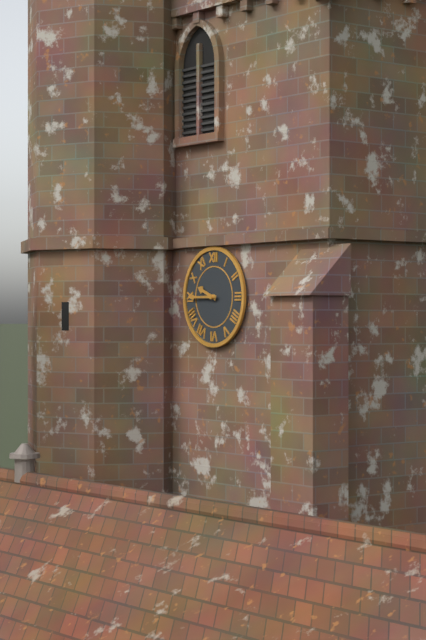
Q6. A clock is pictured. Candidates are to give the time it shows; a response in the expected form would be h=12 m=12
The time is h=9 m=45
